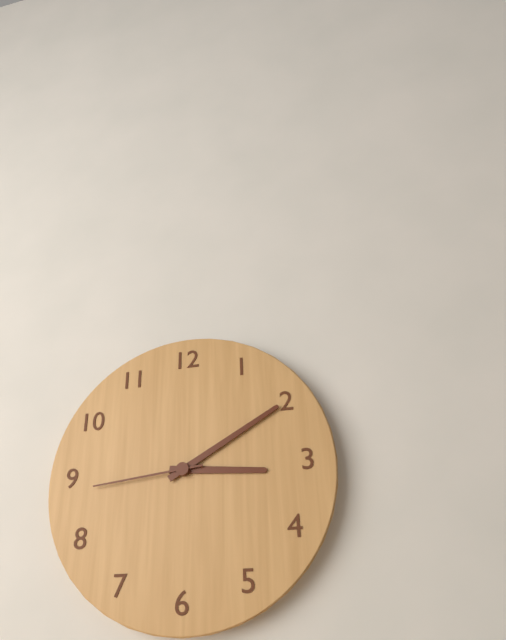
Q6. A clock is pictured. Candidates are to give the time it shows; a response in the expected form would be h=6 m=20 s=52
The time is h=3 m=10 s=44
